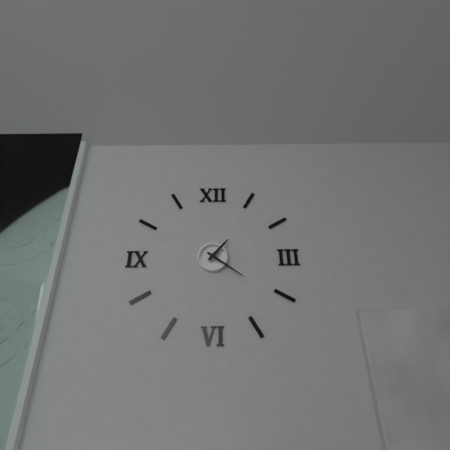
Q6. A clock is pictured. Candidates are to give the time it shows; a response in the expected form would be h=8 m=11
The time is h=1 m=21
